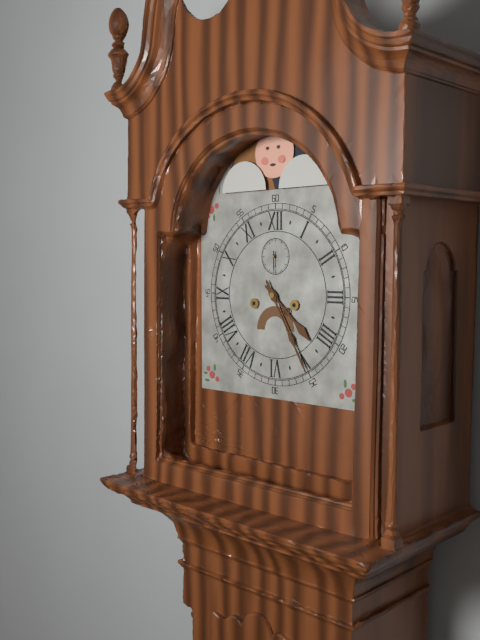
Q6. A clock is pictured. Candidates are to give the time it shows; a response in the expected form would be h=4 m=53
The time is h=4 m=25
